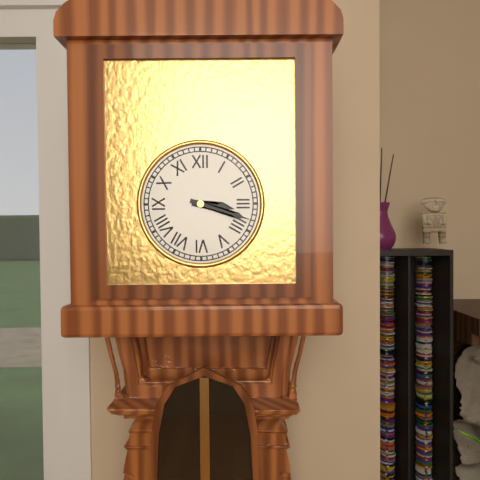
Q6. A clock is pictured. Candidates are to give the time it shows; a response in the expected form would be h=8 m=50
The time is h=3 m=18
